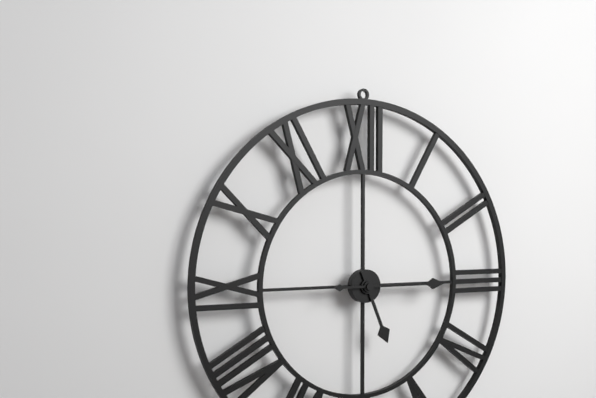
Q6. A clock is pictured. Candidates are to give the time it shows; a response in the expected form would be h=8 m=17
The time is h=5 m=15
